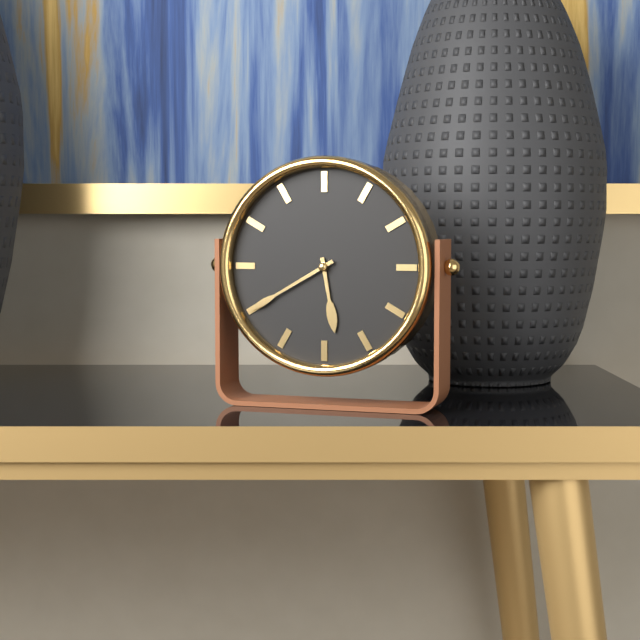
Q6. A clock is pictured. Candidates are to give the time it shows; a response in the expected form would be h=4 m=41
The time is h=5 m=40
